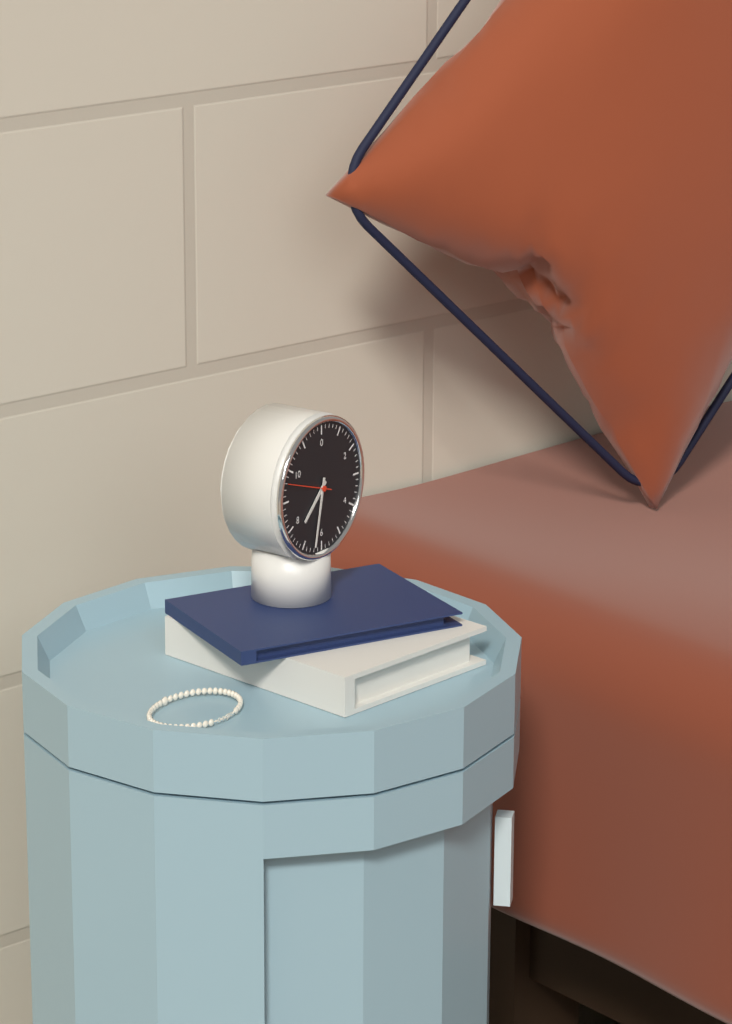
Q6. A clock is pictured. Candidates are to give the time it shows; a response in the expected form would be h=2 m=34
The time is h=7 m=32
